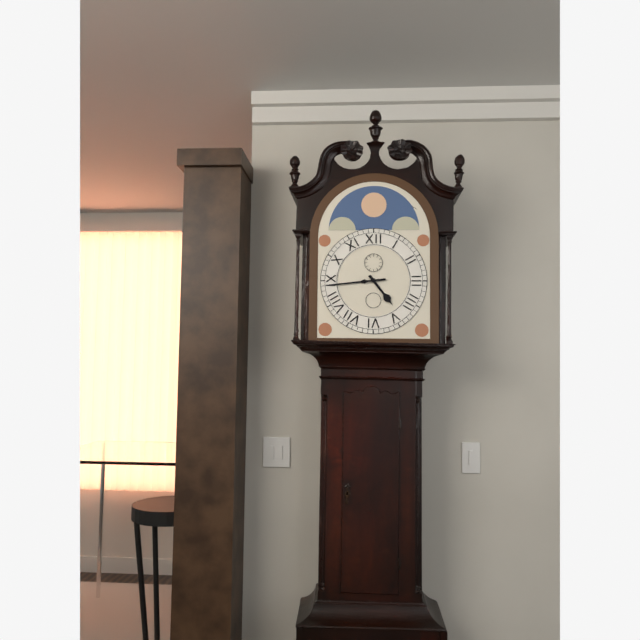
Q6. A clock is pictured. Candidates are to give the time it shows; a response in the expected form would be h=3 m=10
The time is h=4 m=44
